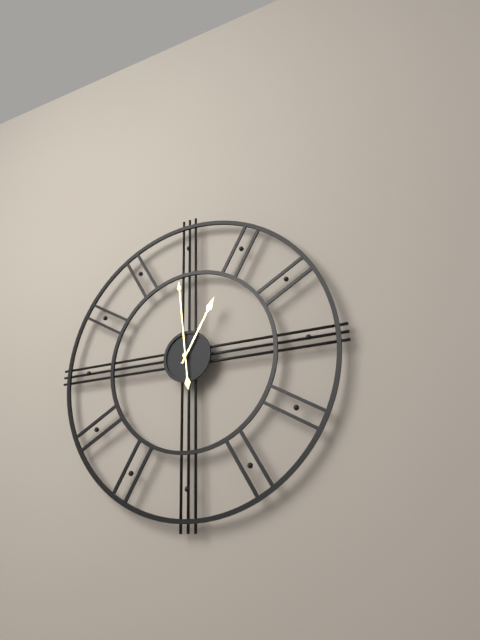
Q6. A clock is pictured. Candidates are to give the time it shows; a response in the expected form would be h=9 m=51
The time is h=12 m=59
